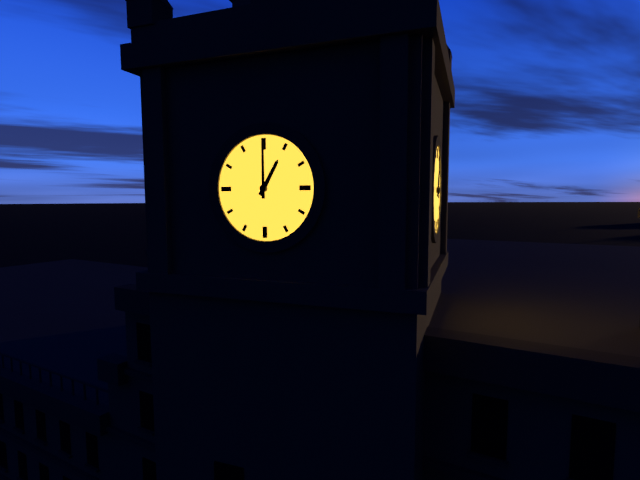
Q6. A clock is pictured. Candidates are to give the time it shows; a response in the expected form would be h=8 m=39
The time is h=1 m=0
